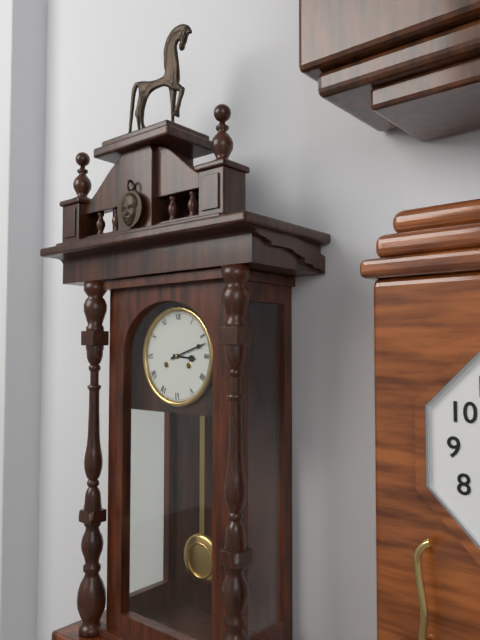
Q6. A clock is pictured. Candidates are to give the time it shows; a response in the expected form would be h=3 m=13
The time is h=3 m=12
